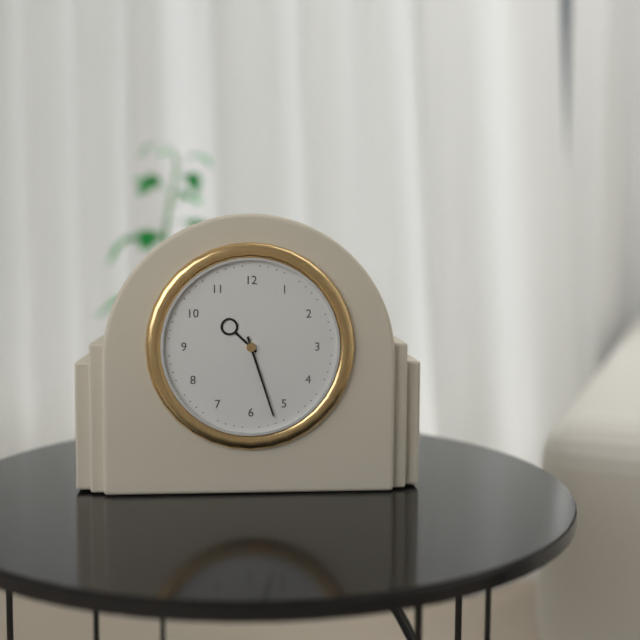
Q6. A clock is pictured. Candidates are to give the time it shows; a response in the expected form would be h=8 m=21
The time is h=10 m=27
